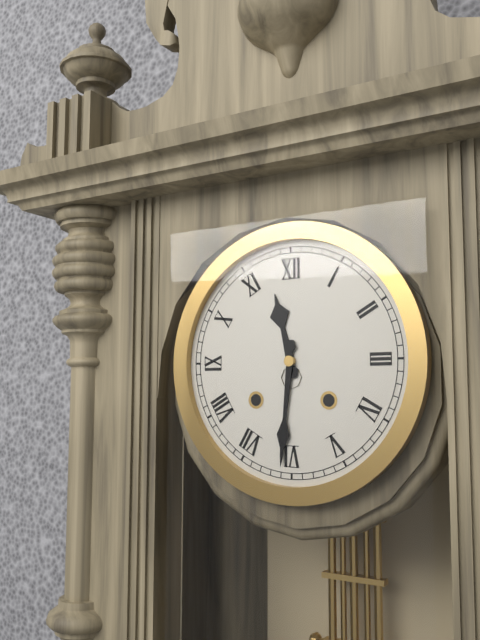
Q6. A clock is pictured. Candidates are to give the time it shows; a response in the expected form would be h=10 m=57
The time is h=11 m=31
